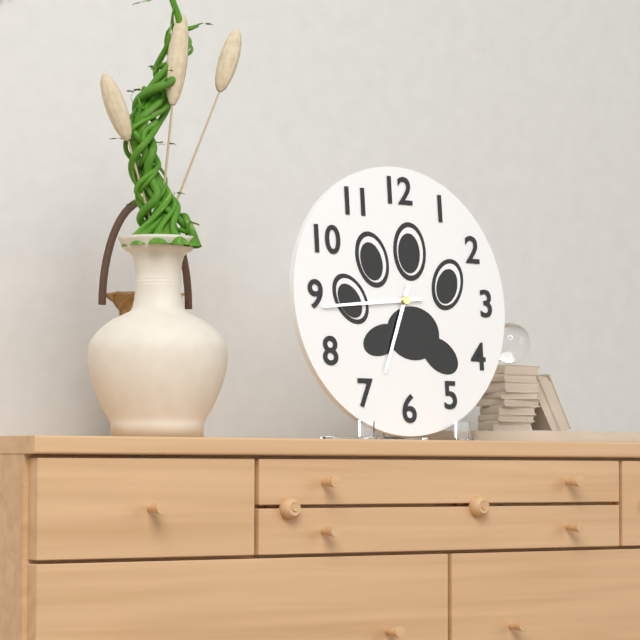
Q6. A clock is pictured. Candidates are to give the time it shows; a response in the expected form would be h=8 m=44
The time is h=6 m=44
